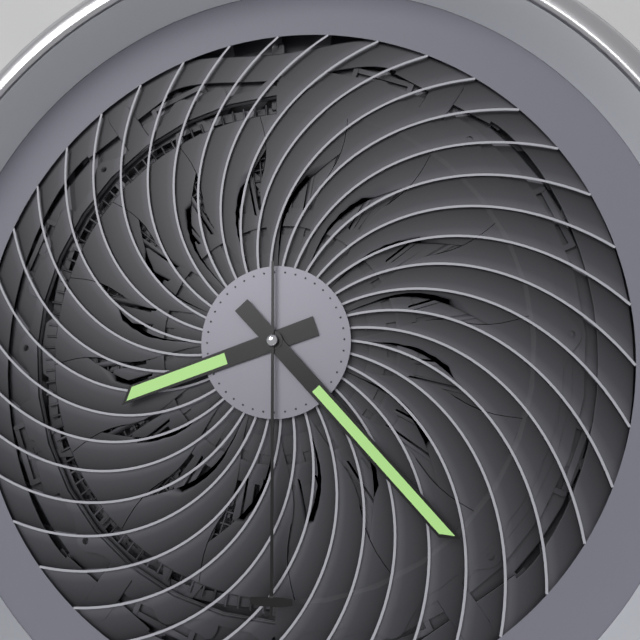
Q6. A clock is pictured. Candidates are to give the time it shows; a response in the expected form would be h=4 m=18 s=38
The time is h=8 m=23 s=30
